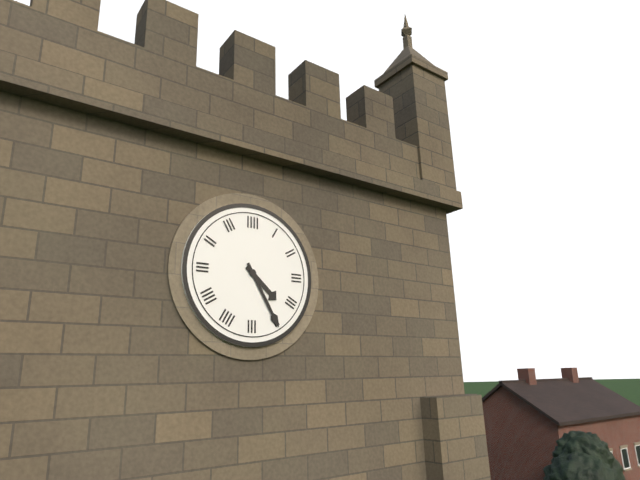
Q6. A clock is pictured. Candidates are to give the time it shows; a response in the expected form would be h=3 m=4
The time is h=4 m=25
